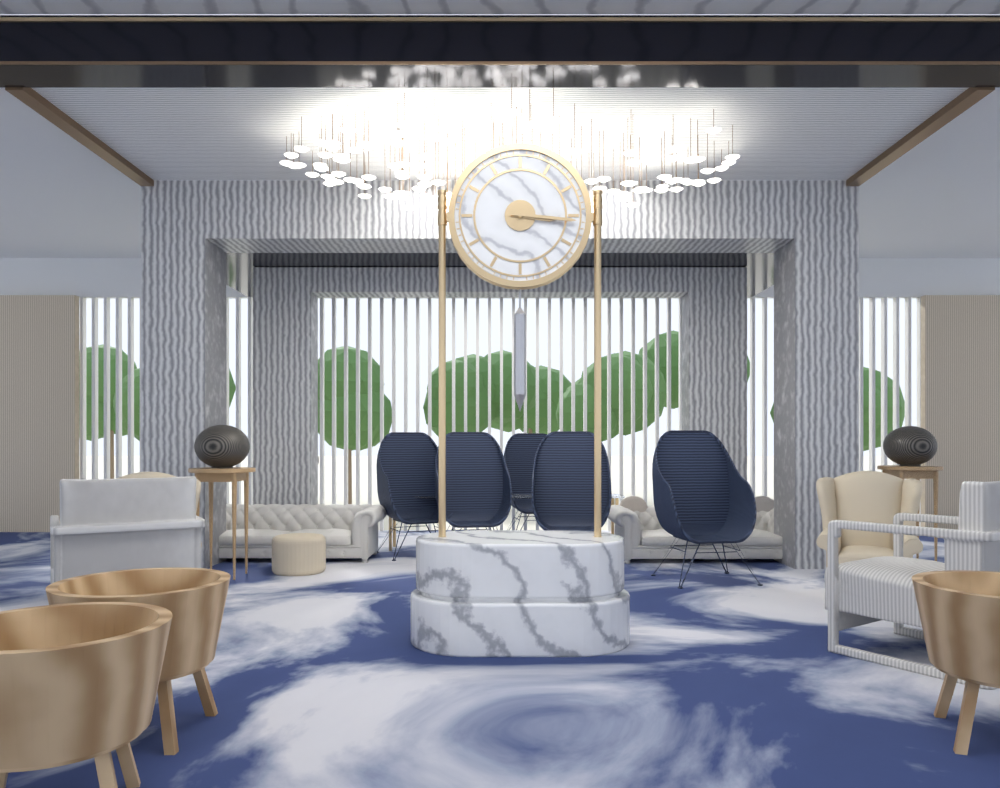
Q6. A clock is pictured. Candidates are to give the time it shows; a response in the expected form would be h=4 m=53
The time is h=3 m=16
